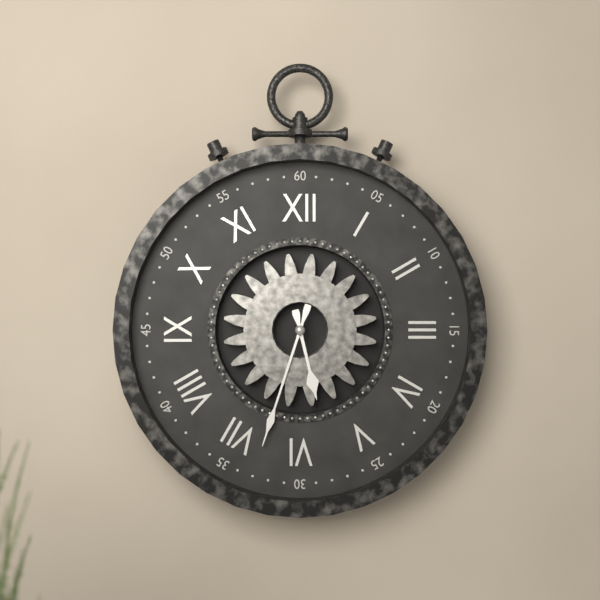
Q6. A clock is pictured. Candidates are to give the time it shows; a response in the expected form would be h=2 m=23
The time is h=5 m=33
